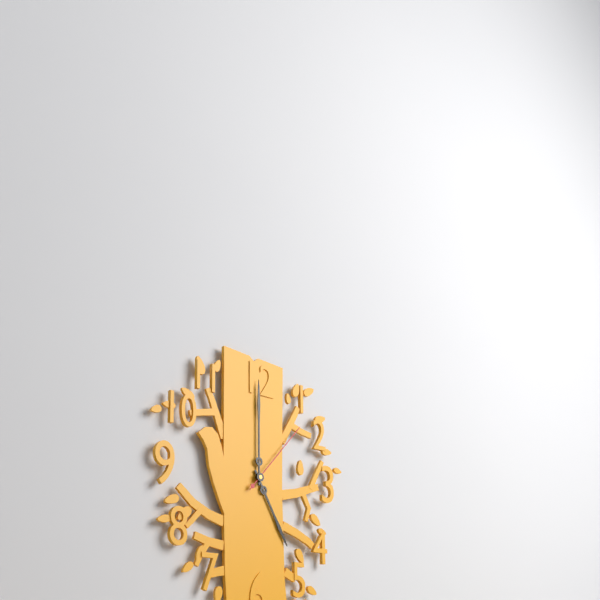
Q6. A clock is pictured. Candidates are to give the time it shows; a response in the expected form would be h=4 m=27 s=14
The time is h=5 m=0 s=7
